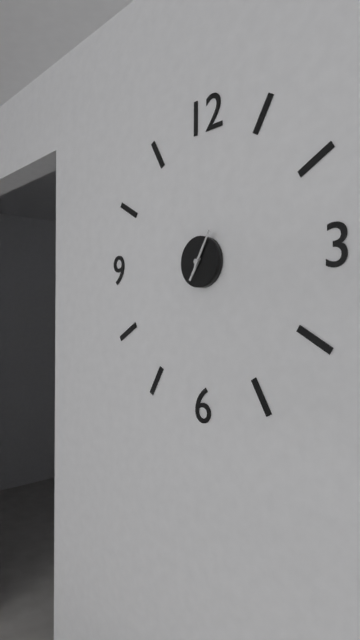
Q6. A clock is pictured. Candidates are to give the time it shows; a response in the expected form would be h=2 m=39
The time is h=7 m=5
